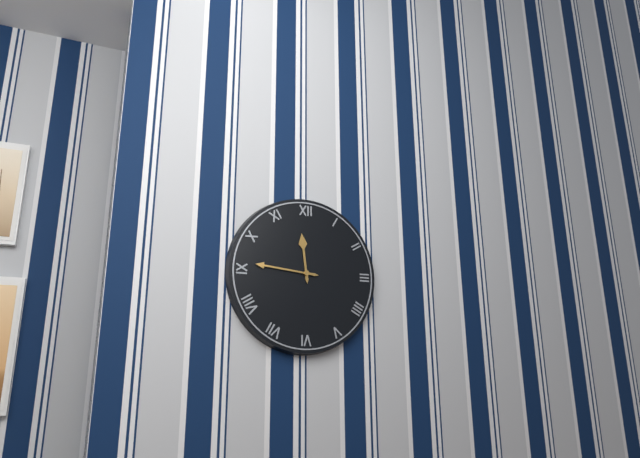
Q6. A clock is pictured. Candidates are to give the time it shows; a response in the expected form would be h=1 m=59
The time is h=11 m=46
